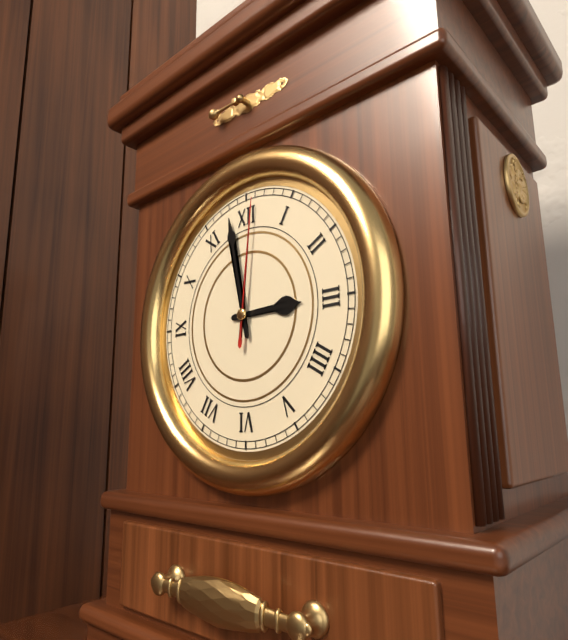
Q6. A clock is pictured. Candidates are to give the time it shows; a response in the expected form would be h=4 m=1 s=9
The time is h=2 m=58 s=1
